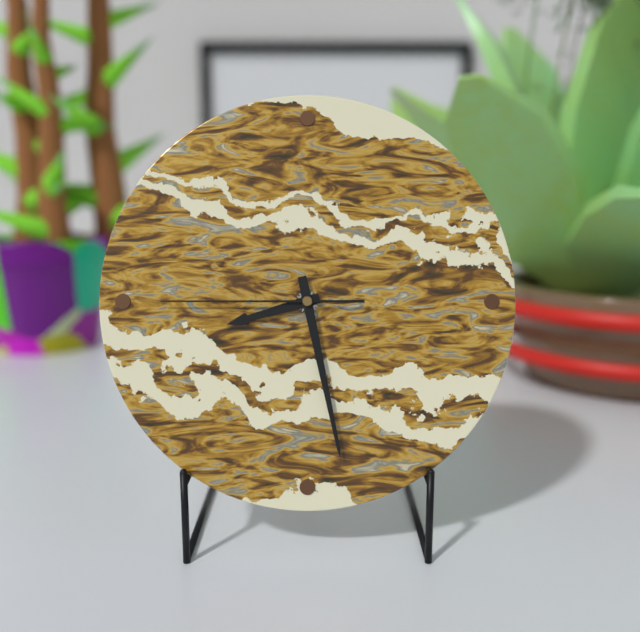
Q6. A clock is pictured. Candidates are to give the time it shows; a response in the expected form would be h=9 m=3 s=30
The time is h=8 m=28 s=45
